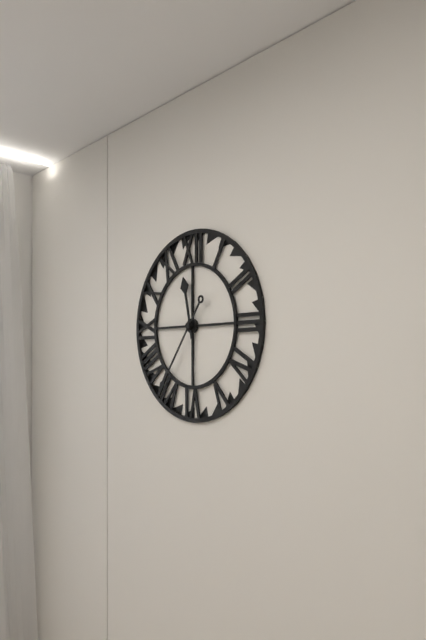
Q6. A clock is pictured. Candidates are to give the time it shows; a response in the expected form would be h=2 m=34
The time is h=11 m=36
